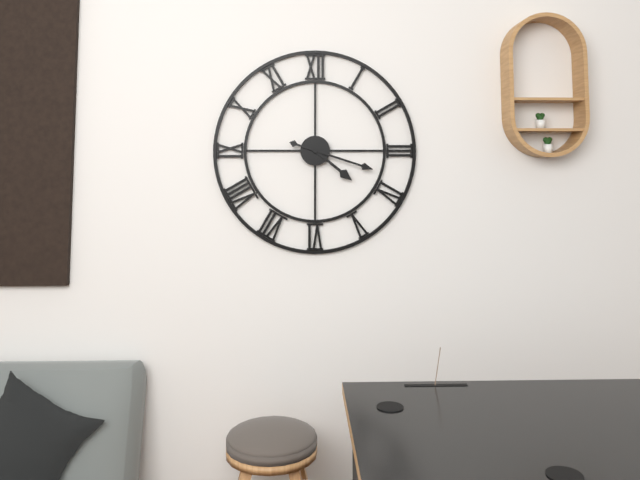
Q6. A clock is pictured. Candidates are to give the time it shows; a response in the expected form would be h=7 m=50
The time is h=4 m=18
